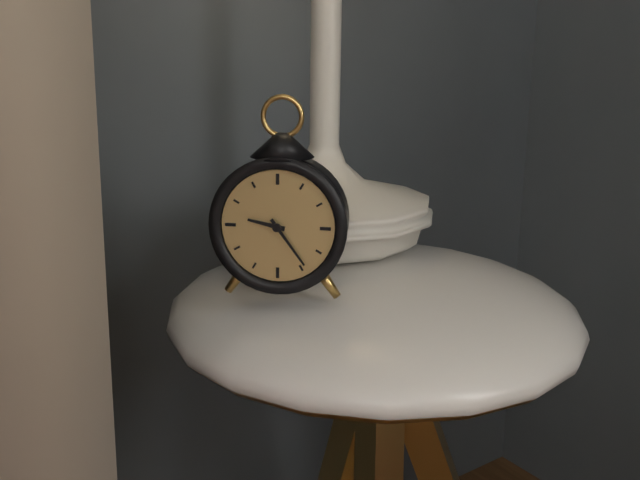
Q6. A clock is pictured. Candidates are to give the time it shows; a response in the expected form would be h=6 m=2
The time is h=9 m=24
